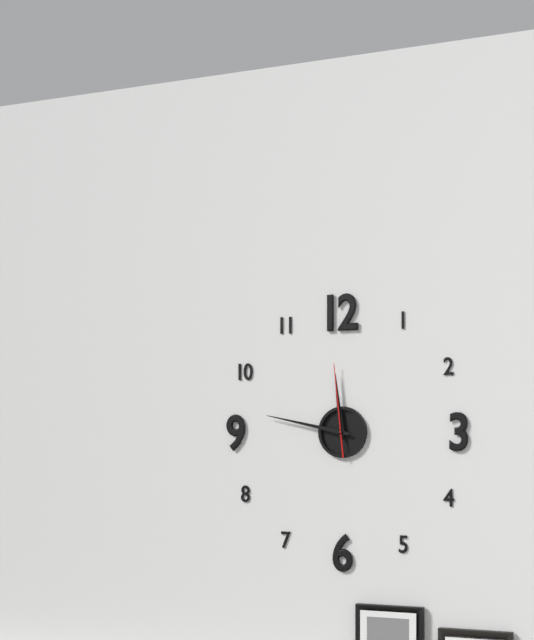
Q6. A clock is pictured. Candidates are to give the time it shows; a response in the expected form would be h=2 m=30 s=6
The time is h=11 m=47 s=59
